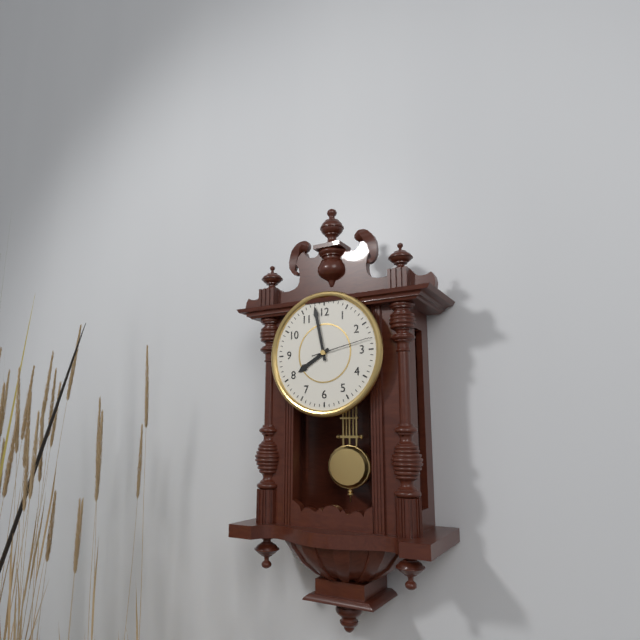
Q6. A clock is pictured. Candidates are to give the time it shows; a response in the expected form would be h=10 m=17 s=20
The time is h=7 m=58 s=13
